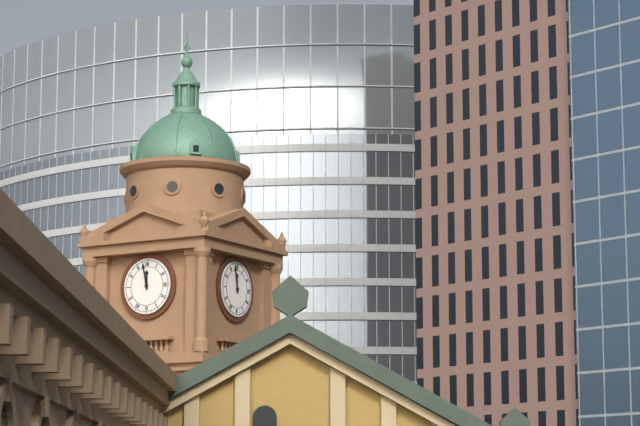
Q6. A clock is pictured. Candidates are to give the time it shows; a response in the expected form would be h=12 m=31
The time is h=11 m=58
